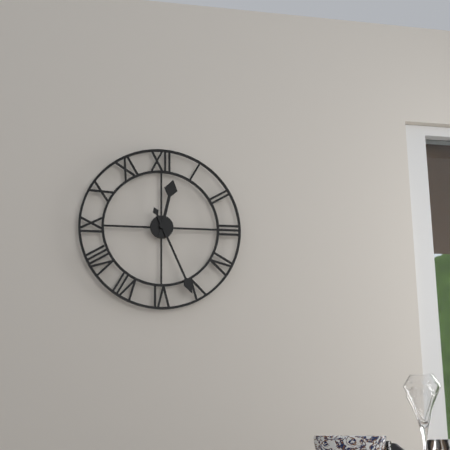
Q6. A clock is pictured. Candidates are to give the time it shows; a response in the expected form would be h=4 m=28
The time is h=12 m=26
